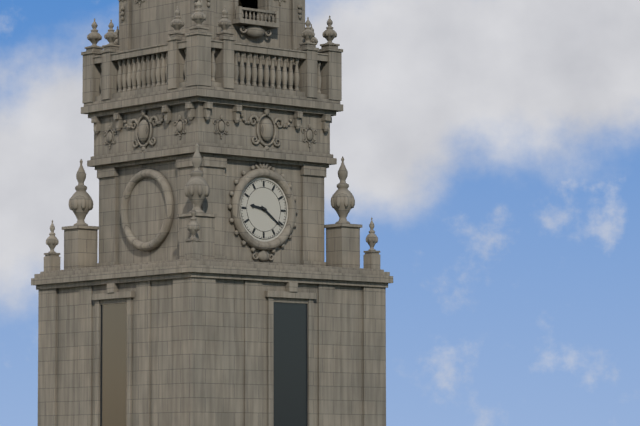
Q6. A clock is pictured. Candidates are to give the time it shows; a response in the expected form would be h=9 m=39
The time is h=9 m=21
